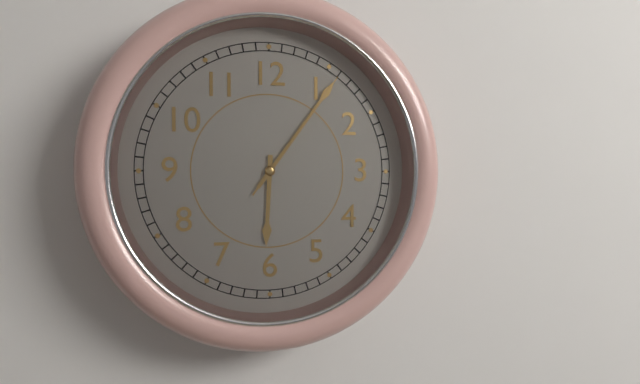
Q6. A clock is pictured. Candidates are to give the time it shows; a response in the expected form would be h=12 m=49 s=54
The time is h=6 m=6 s=6
